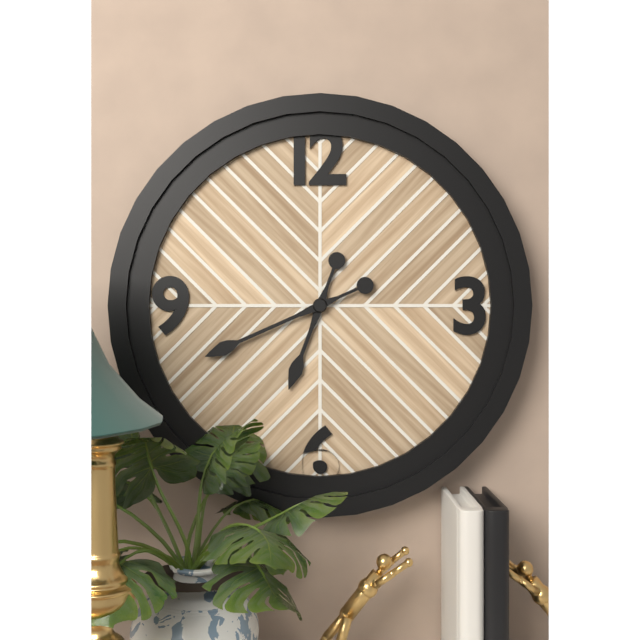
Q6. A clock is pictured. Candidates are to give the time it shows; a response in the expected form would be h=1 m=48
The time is h=6 m=41
